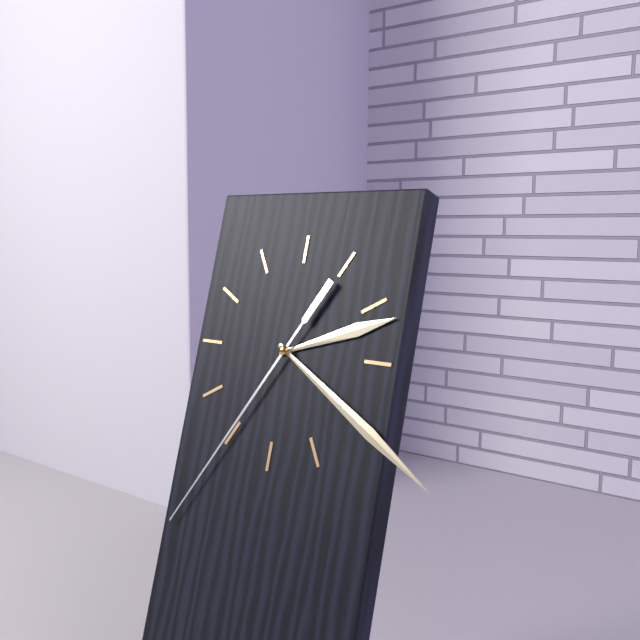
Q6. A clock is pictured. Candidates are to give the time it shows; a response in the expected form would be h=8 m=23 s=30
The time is h=2 m=20 s=35
